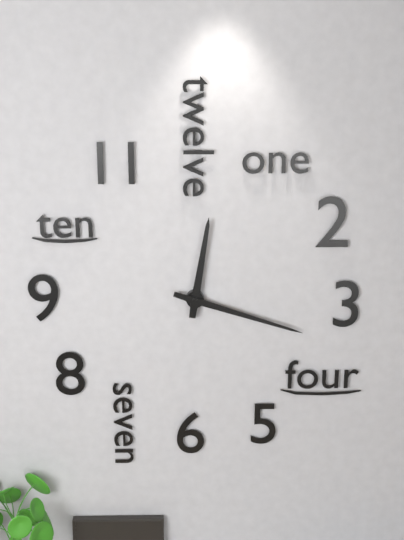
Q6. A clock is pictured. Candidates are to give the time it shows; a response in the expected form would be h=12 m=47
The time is h=12 m=18
